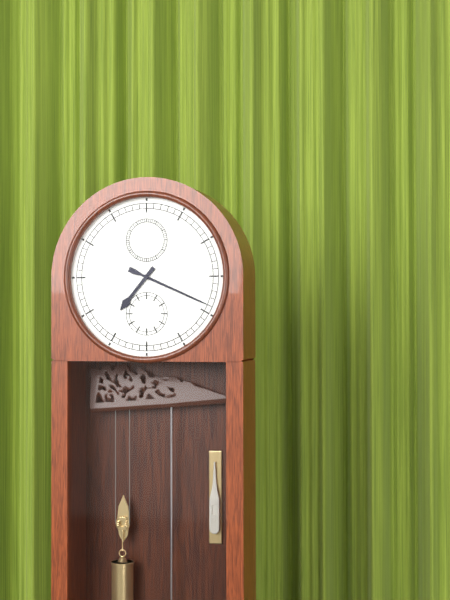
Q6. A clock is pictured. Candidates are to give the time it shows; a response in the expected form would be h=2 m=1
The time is h=7 m=19
